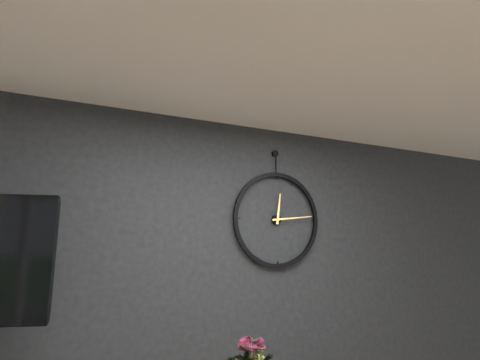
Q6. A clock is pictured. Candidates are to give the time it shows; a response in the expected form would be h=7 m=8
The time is h=12 m=14
